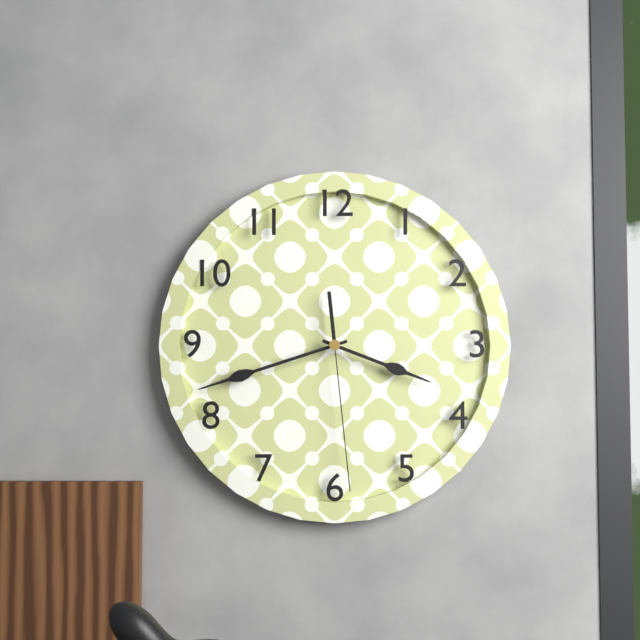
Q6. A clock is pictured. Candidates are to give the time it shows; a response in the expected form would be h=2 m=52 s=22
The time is h=3 m=42 s=29
